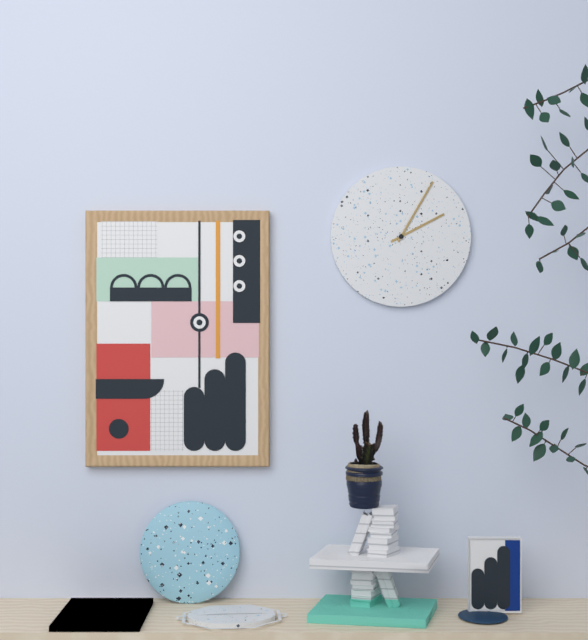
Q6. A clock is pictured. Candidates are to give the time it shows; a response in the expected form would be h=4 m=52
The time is h=2 m=5
